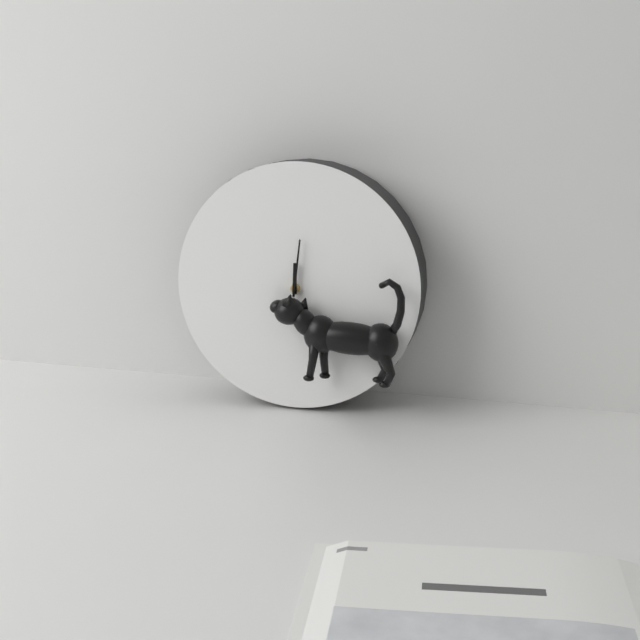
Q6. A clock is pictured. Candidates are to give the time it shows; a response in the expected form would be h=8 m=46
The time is h=12 m=1
